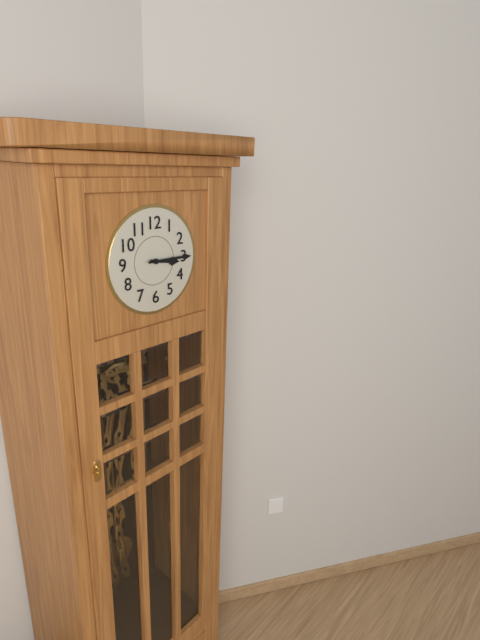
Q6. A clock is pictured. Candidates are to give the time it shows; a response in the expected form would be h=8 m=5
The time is h=3 m=15
